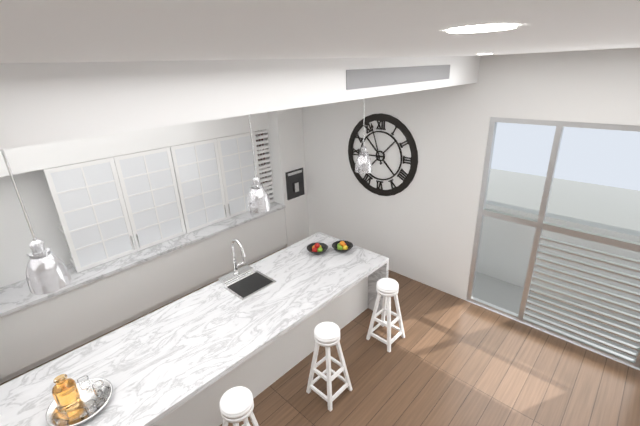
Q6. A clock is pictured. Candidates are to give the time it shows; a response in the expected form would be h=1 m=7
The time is h=8 m=57
